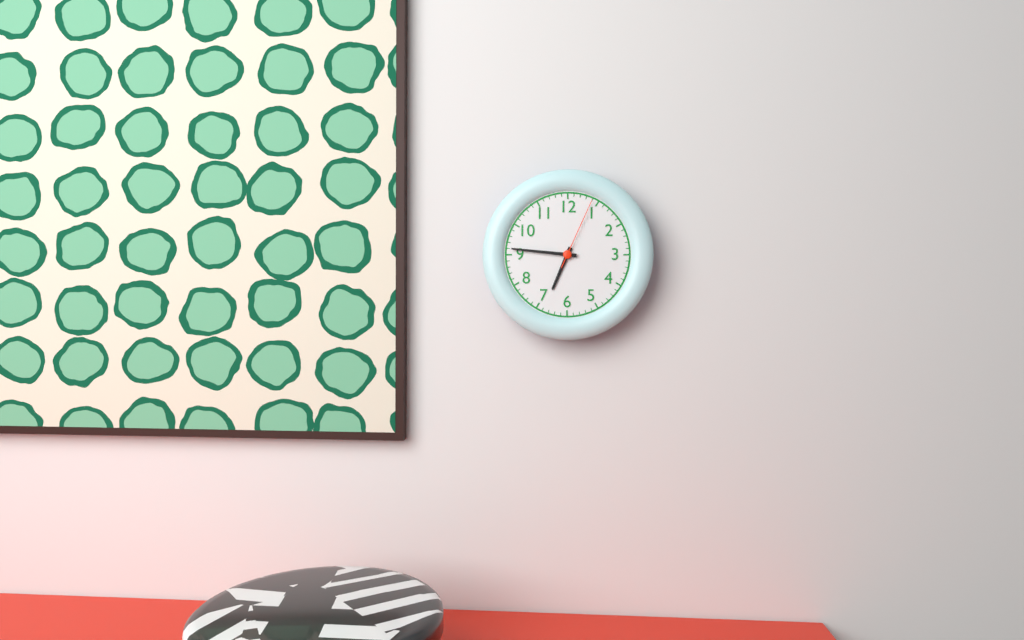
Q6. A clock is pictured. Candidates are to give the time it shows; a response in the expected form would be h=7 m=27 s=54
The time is h=6 m=46 s=4
